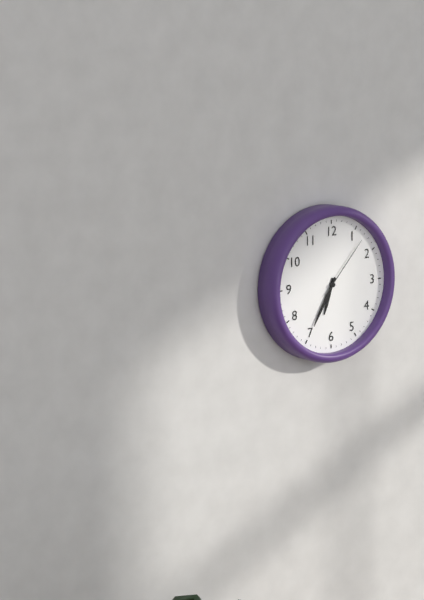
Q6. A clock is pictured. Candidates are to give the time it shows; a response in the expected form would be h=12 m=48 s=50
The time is h=6 m=35 s=7
